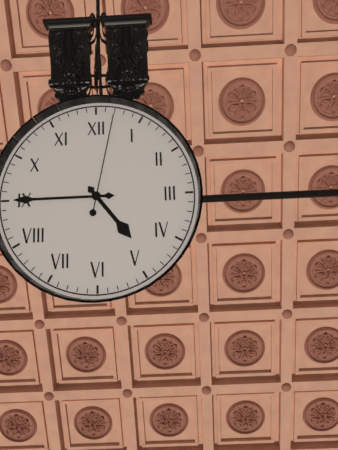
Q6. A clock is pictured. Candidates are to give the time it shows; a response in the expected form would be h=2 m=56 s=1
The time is h=4 m=45 s=2
